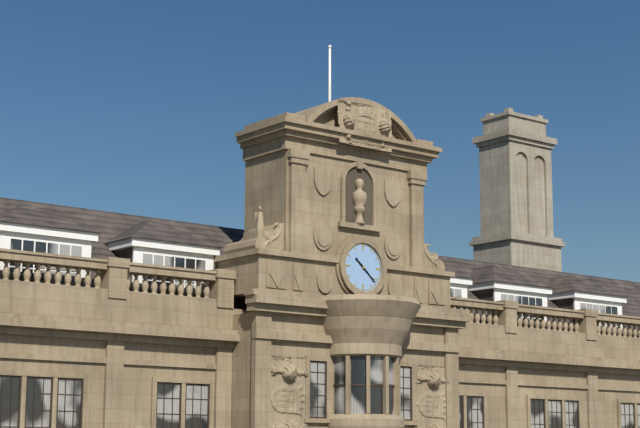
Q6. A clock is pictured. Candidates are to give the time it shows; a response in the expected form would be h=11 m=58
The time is h=10 m=22
